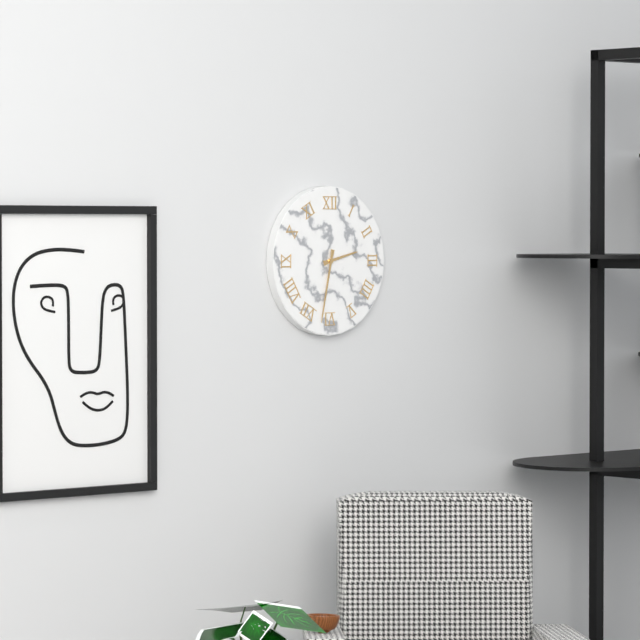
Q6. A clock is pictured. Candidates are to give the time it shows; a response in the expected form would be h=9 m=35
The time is h=2 m=32
